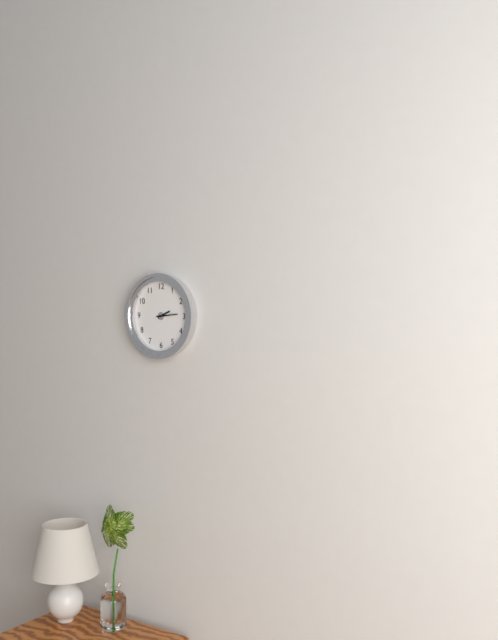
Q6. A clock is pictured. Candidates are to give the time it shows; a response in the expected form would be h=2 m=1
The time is h=2 m=14
